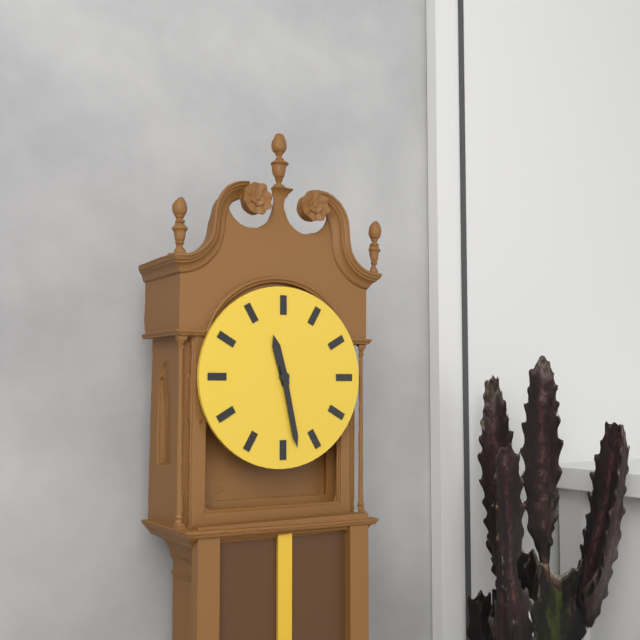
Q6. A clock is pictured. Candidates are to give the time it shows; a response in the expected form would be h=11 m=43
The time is h=11 m=28
